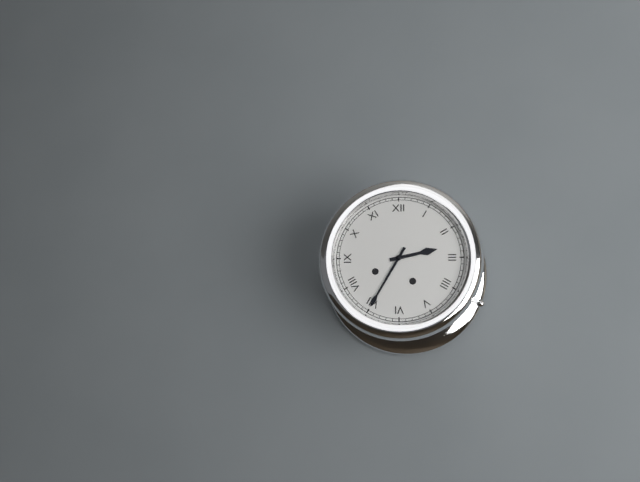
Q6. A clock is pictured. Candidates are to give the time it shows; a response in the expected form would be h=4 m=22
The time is h=2 m=35
